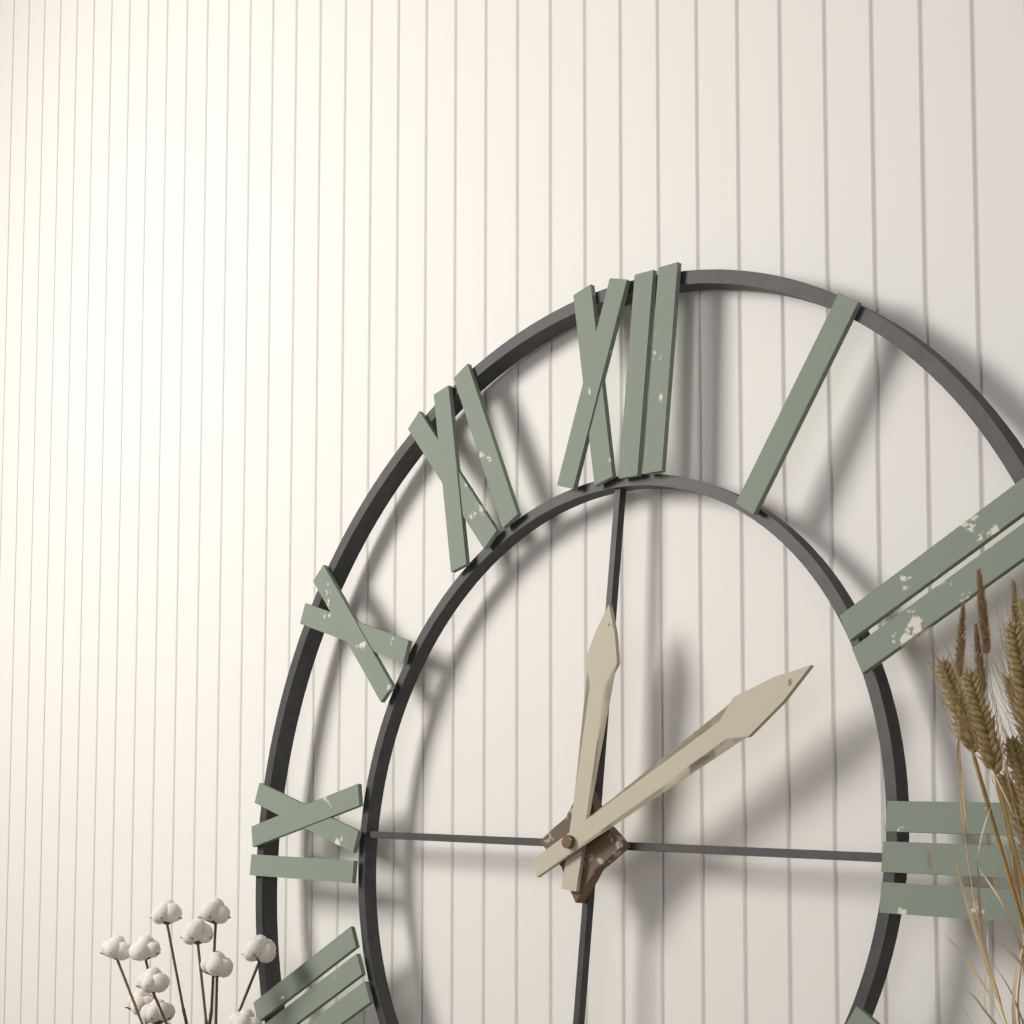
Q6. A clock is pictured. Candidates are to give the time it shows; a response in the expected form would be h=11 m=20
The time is h=12 m=10
